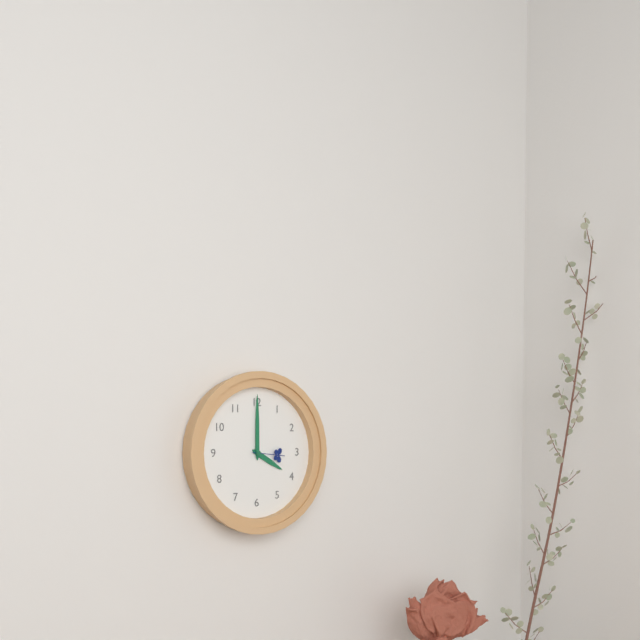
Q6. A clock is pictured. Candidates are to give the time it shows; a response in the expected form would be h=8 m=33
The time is h=4 m=0
